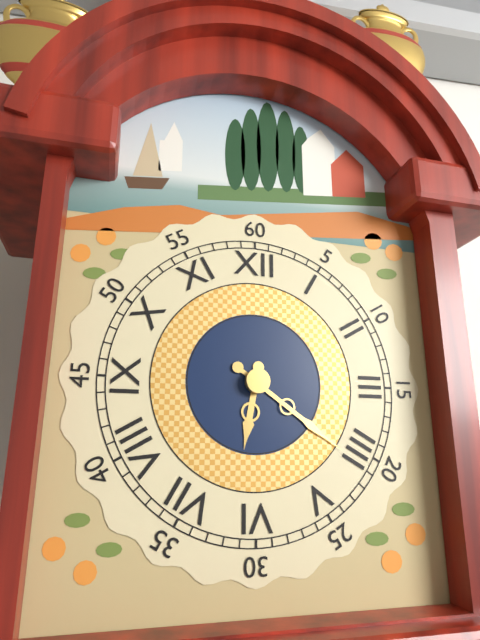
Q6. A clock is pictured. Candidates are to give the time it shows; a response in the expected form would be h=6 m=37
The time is h=6 m=21
